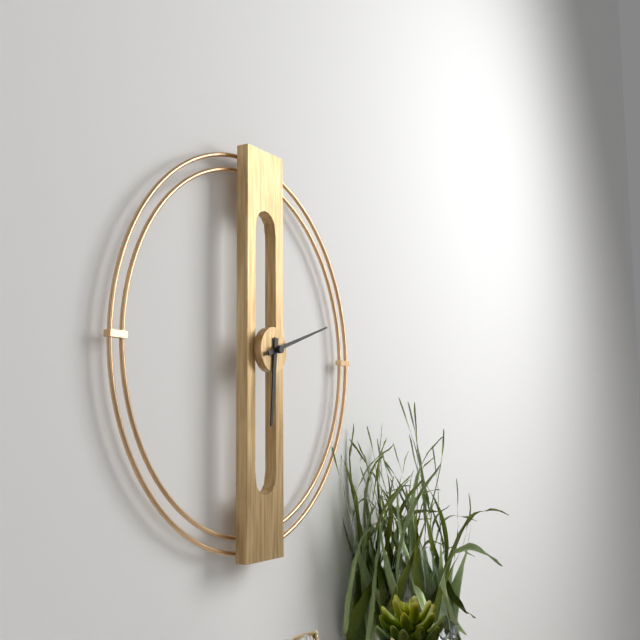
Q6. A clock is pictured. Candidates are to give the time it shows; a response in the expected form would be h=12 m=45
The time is h=6 m=12
